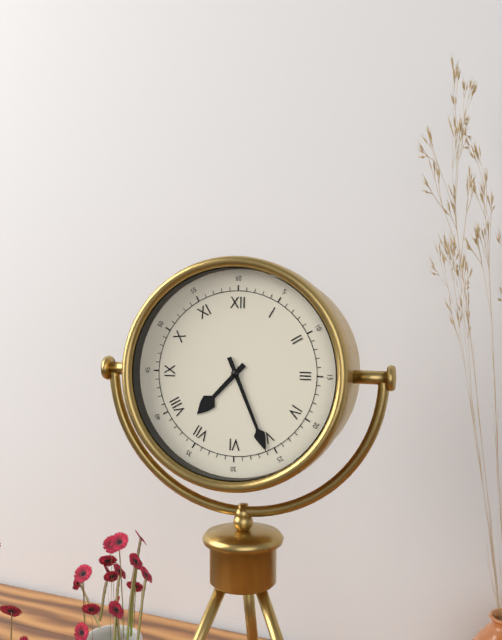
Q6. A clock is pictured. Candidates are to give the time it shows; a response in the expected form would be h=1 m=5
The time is h=7 m=26
